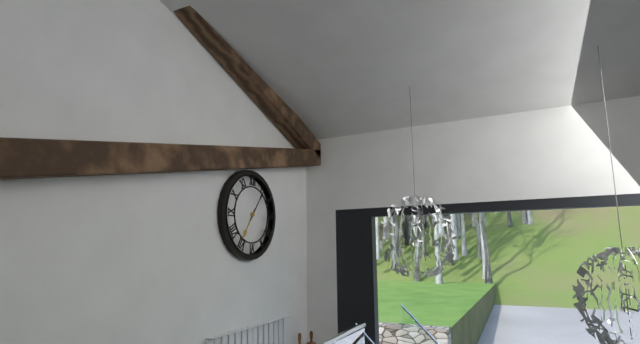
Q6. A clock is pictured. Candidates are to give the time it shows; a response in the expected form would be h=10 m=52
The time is h=7 m=6
